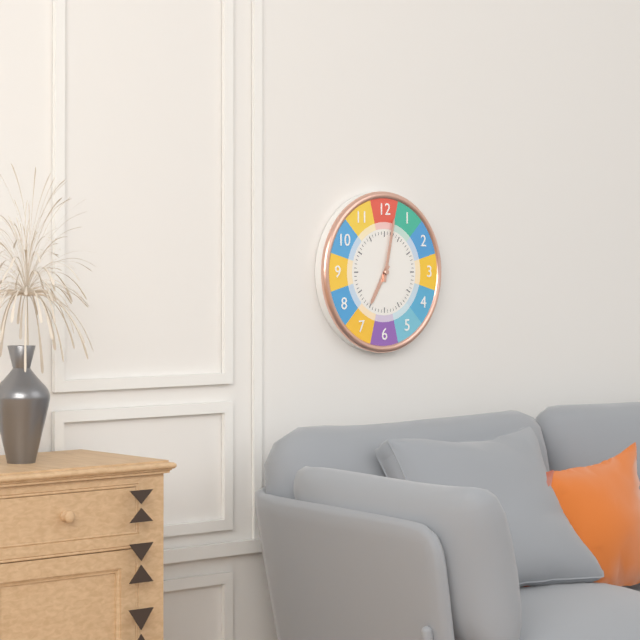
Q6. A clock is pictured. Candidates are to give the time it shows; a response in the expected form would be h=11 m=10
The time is h=7 m=2
